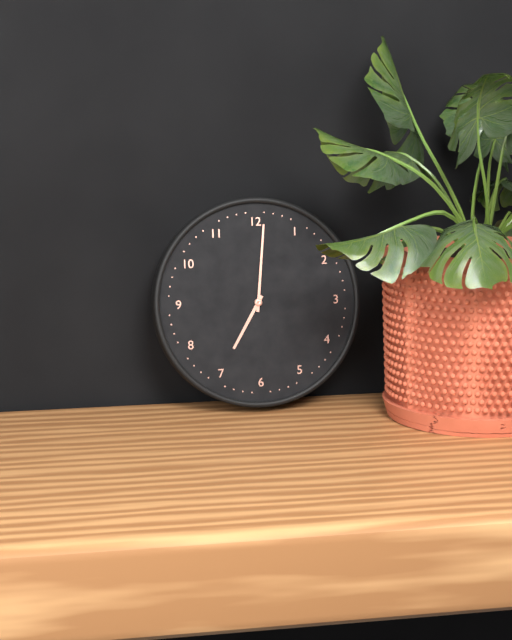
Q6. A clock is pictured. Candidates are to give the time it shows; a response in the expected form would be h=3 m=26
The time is h=7 m=1
